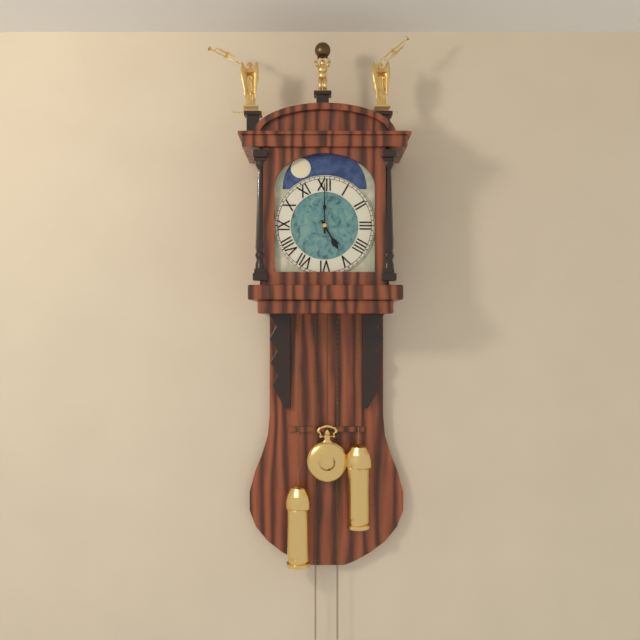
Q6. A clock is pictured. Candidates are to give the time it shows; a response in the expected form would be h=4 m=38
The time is h=5 m=0
